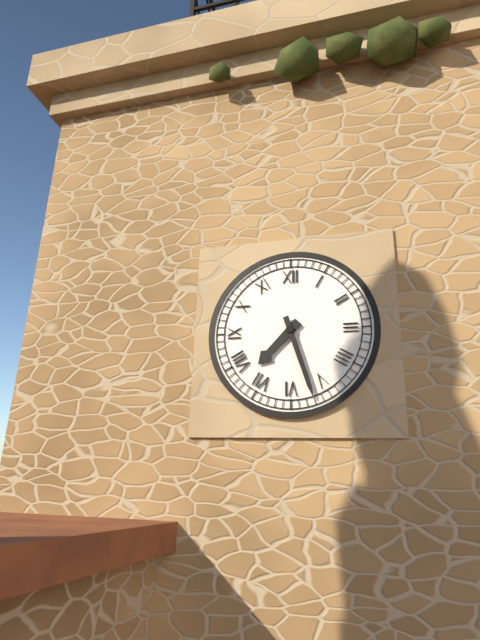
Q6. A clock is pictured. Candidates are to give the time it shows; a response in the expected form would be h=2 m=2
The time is h=7 m=27
